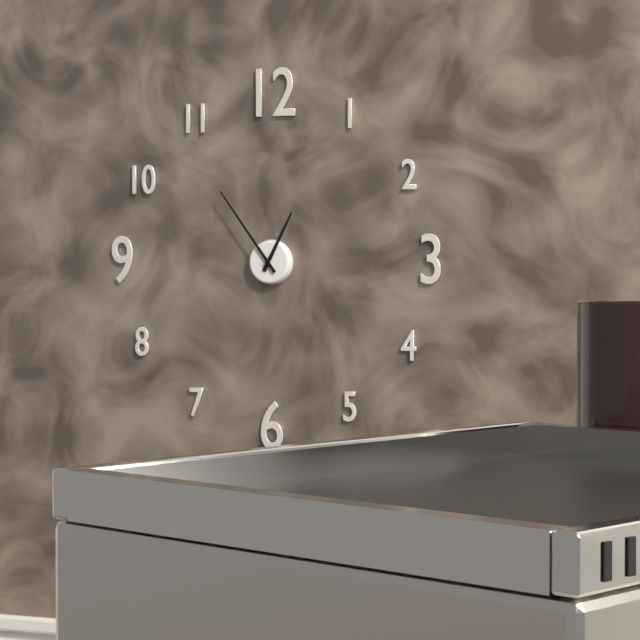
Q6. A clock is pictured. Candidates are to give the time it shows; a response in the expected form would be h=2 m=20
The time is h=12 m=54
